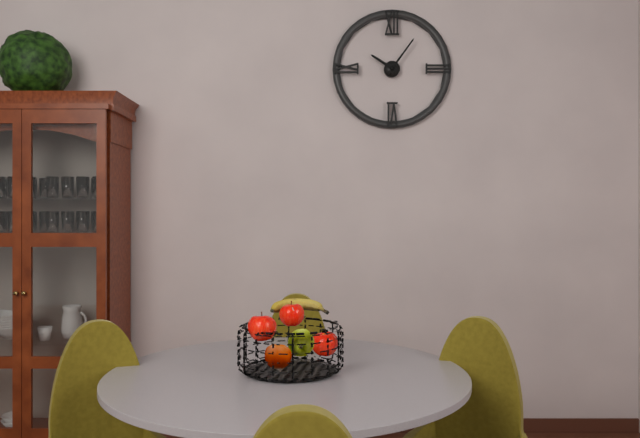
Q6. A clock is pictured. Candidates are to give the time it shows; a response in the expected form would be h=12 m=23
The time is h=10 m=6
